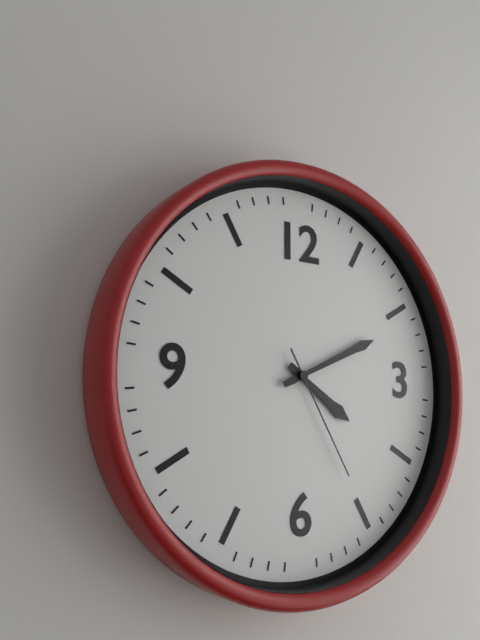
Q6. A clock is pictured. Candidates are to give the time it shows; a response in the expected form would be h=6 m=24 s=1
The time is h=4 m=11 s=25
